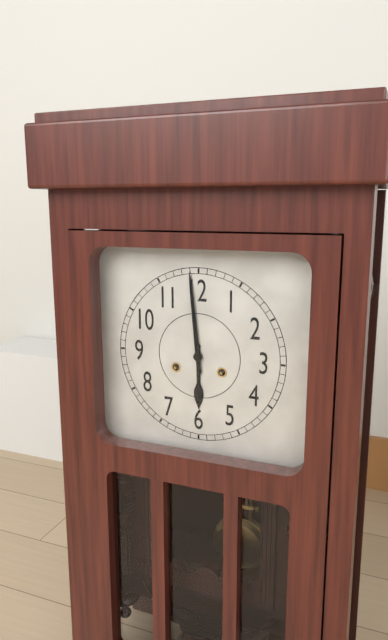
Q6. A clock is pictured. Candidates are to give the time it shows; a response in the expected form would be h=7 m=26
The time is h=5 m=59
